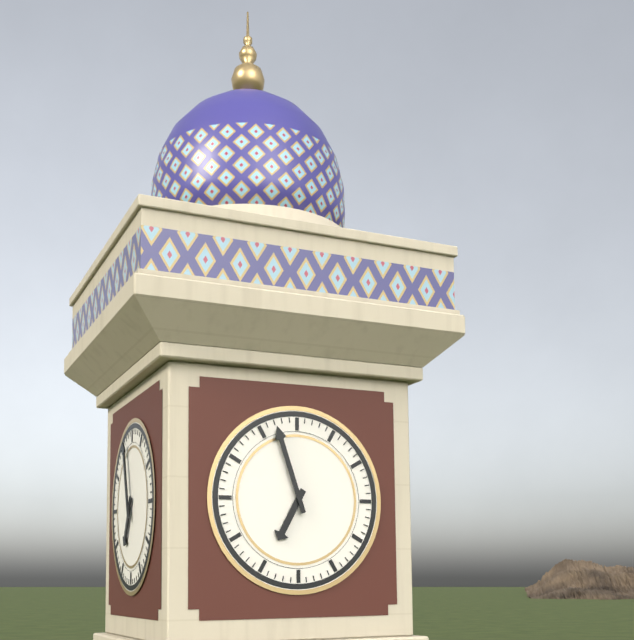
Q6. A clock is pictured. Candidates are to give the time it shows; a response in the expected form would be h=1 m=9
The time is h=6 m=57
